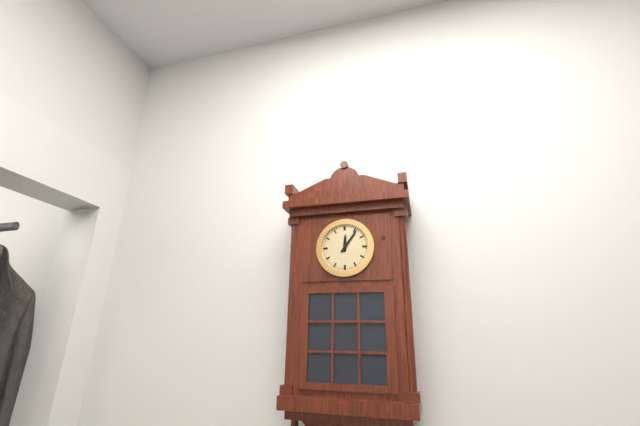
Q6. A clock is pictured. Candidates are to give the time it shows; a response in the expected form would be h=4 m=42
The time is h=12 m=6
